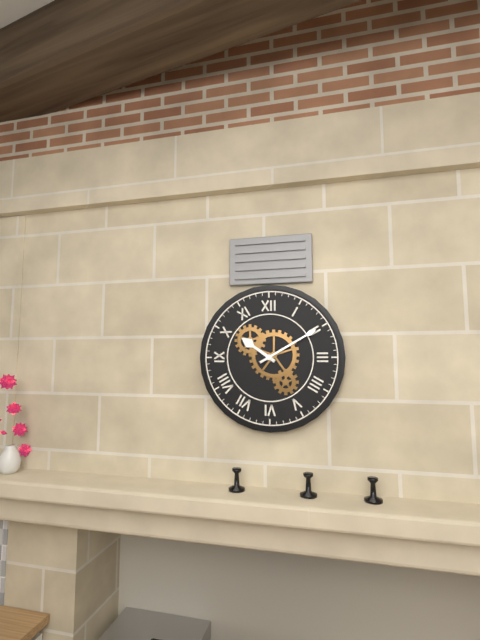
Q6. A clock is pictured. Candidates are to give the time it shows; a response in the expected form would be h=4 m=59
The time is h=10 m=10
